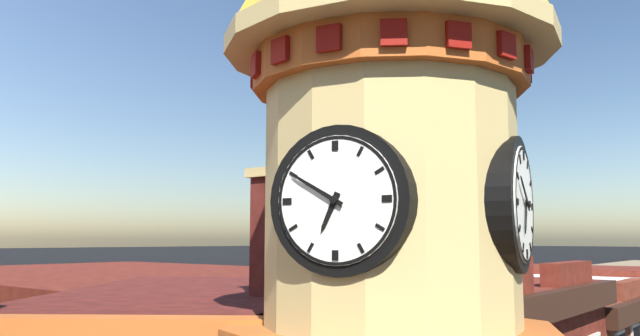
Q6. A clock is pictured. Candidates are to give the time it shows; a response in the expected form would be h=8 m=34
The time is h=6 m=50
